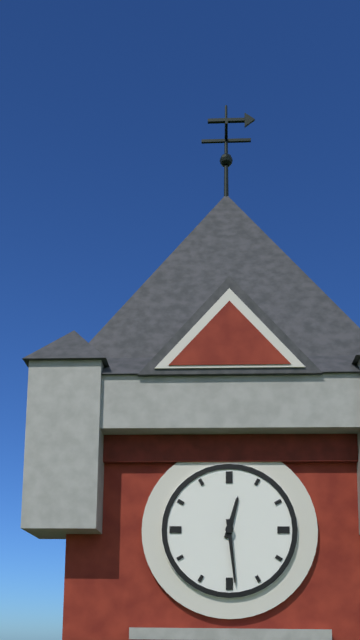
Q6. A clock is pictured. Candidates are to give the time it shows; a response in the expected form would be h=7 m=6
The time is h=12 m=29
